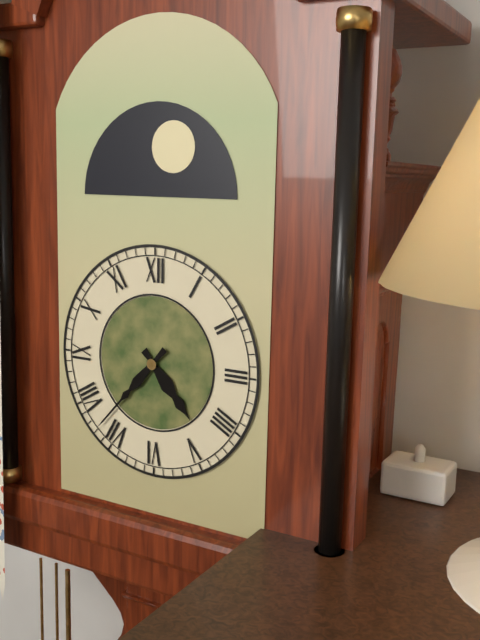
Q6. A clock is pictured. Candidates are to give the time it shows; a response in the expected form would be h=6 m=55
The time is h=4 m=37
